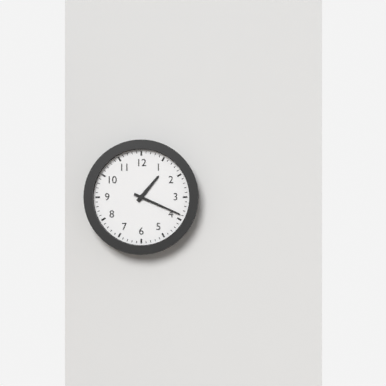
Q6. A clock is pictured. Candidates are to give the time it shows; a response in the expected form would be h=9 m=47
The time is h=1 m=19
